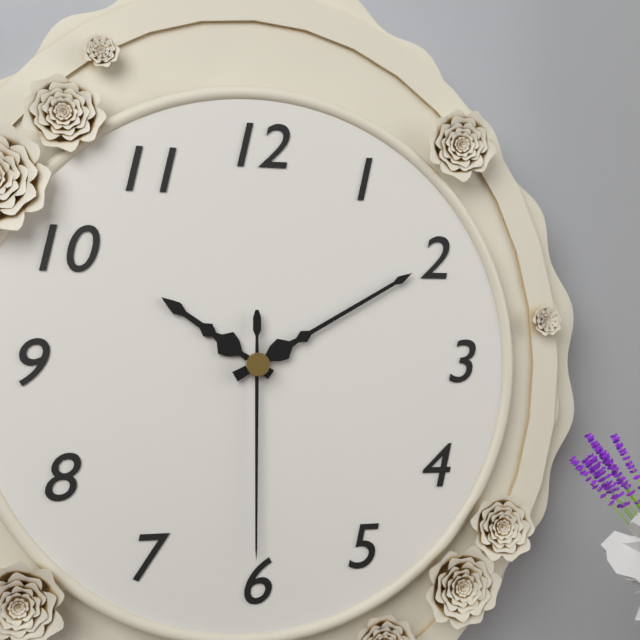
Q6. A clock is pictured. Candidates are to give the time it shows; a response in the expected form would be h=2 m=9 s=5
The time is h=10 m=10 s=30
